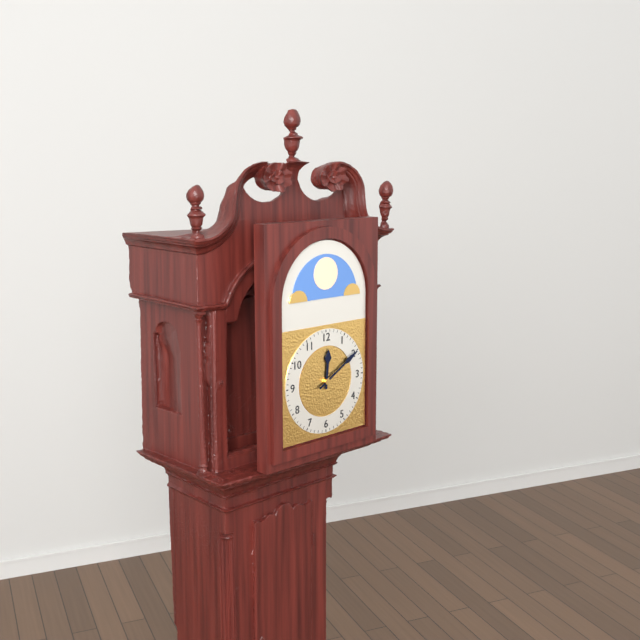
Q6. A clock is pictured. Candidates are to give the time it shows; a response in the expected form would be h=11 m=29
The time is h=12 m=10
